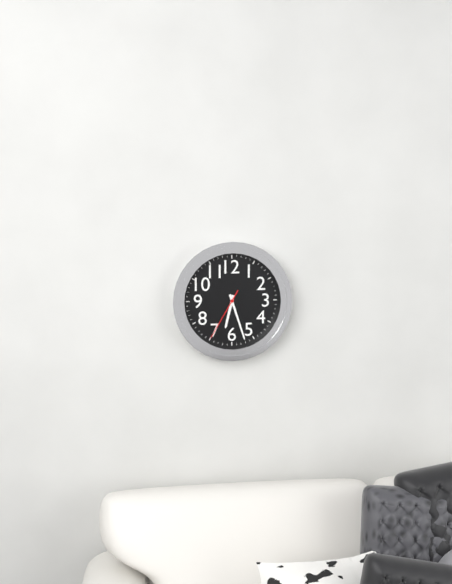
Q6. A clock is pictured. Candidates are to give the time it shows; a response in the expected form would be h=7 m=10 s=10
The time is h=6 m=27 s=35
